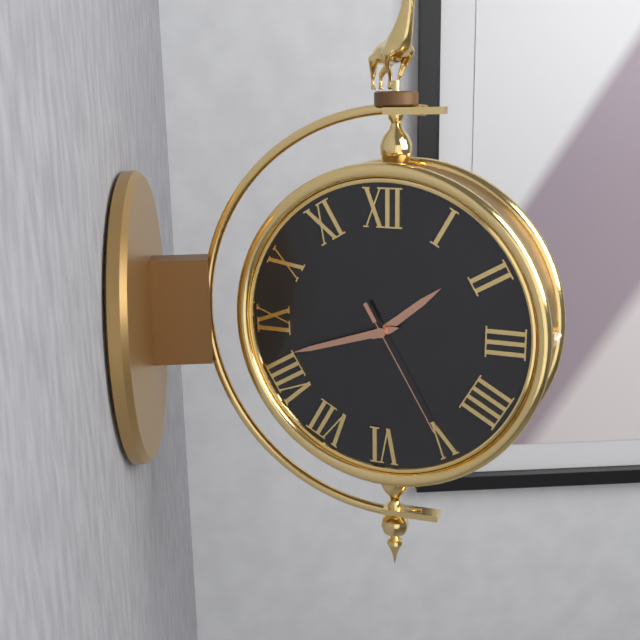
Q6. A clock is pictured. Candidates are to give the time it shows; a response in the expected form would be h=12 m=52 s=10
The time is h=1 m=42 s=25
